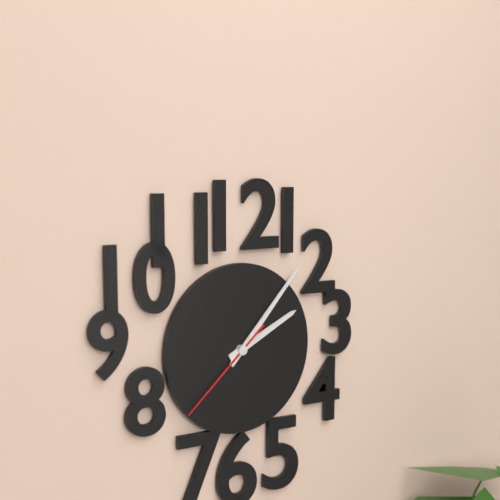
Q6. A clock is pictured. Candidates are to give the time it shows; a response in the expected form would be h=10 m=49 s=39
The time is h=2 m=7 s=38
